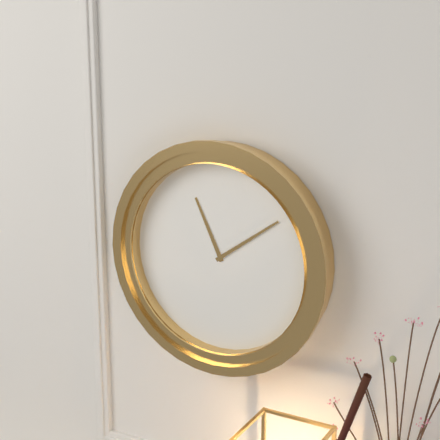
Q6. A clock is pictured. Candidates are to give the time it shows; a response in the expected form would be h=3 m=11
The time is h=11 m=9
